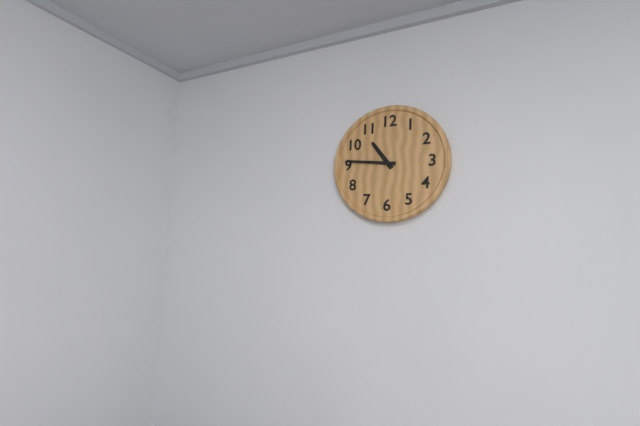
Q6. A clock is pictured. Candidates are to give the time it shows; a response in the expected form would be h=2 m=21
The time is h=10 m=46
